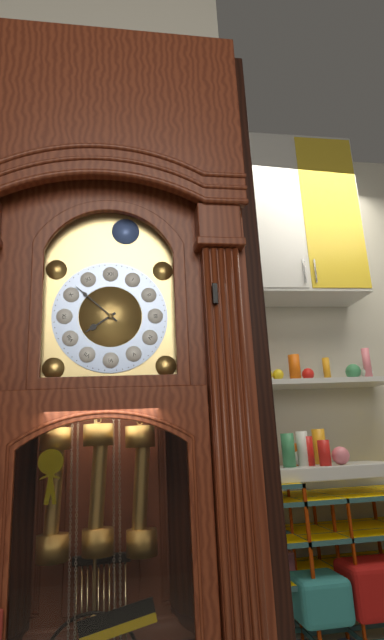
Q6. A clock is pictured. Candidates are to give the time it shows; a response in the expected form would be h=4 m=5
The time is h=7 m=52
